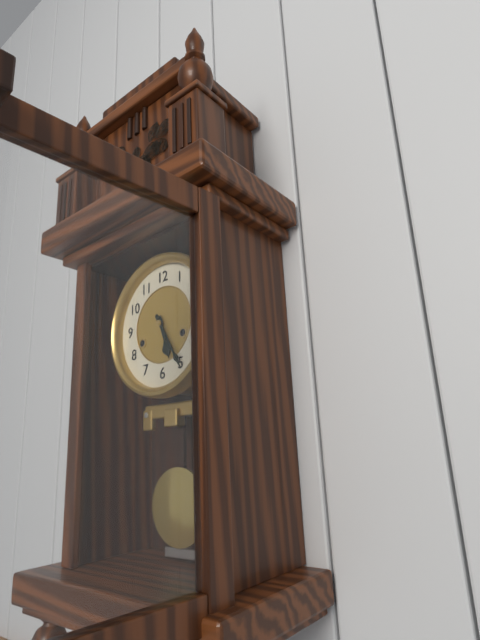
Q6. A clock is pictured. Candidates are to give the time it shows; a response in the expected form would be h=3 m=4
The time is h=5 m=25
